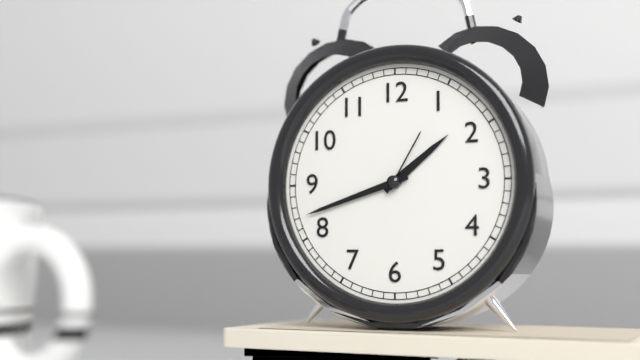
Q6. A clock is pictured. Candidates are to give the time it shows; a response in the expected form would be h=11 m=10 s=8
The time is h=1 m=42 s=5
